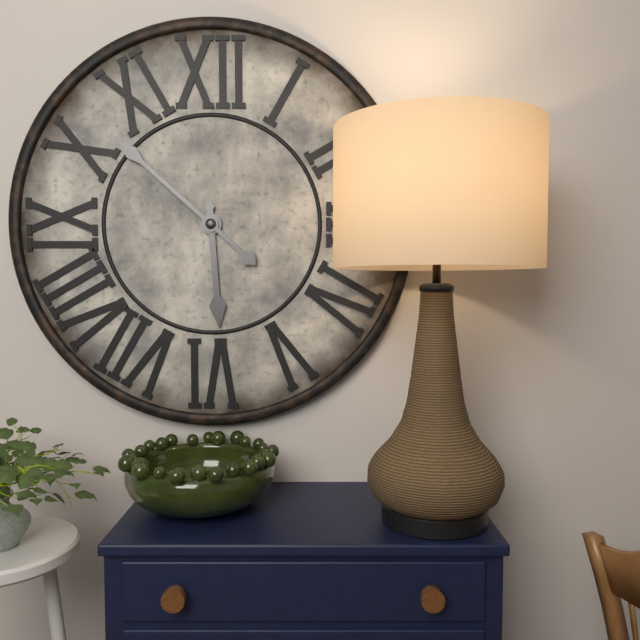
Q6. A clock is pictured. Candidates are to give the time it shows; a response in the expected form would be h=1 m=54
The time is h=5 m=52
